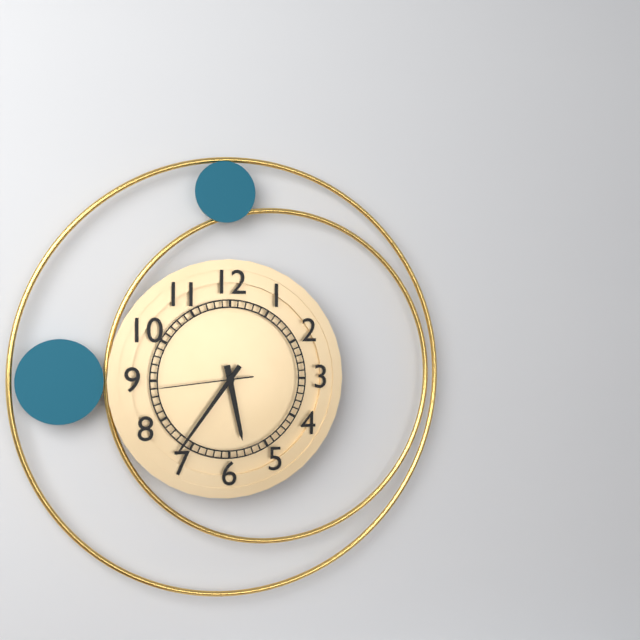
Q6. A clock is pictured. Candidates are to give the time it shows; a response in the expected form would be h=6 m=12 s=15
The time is h=5 m=36 s=44
